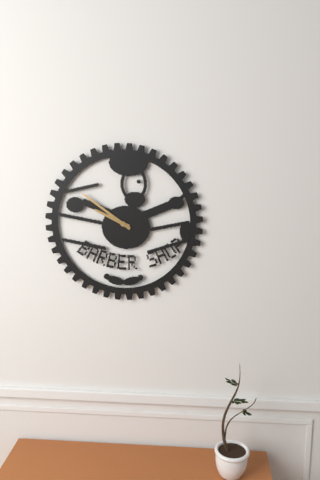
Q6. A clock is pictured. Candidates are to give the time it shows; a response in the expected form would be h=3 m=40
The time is h=9 m=51
